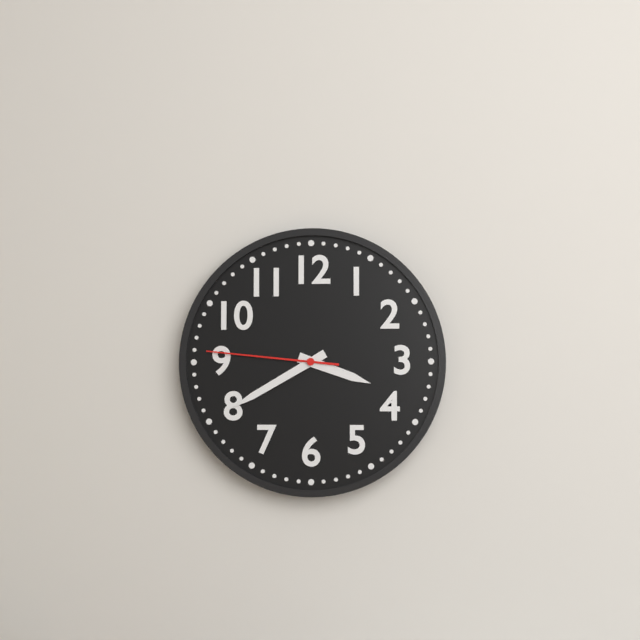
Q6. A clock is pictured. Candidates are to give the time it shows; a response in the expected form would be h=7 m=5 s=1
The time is h=3 m=40 s=46
